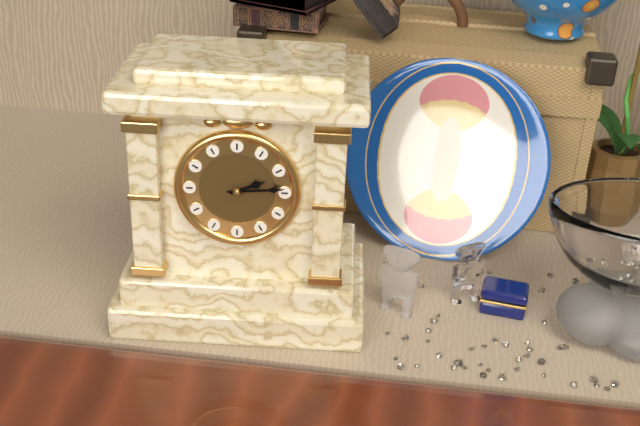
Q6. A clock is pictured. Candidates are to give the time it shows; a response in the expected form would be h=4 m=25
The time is h=2 m=14
